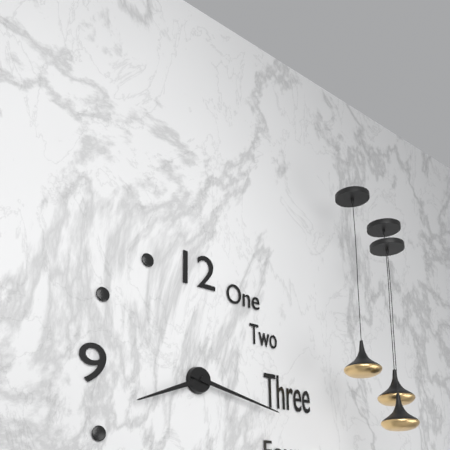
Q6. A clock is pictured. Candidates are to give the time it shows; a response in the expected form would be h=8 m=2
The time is h=8 m=17
